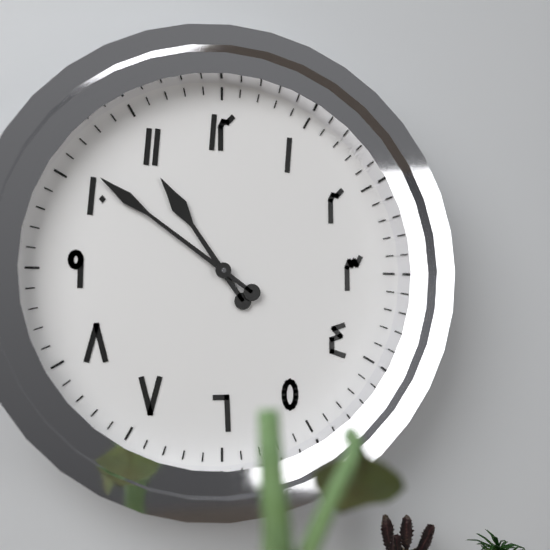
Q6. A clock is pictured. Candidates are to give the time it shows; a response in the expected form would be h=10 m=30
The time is h=10 m=51
